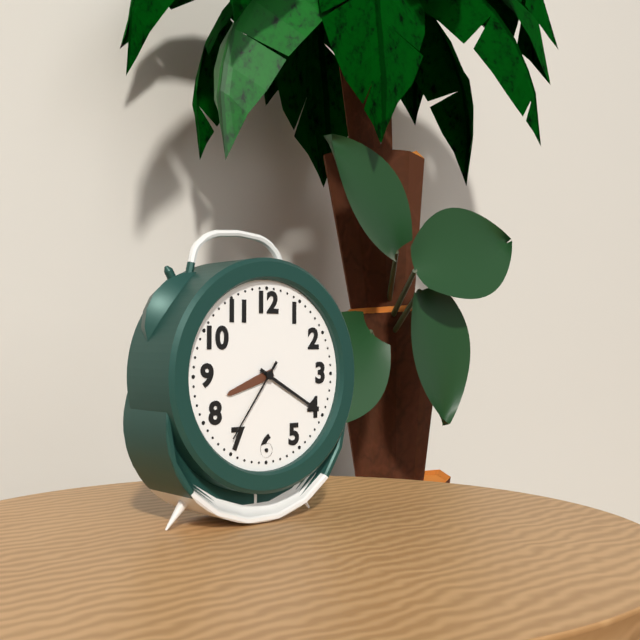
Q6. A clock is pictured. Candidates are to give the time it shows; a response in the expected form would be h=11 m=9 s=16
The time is h=8 m=20 s=36
